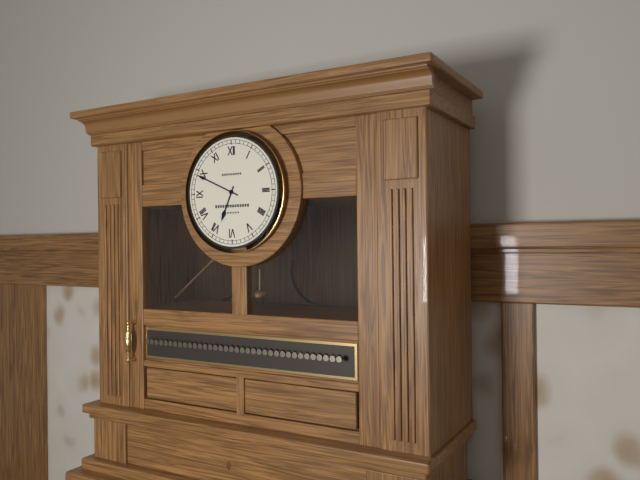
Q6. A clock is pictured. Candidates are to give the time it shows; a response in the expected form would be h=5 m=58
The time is h=6 m=49
